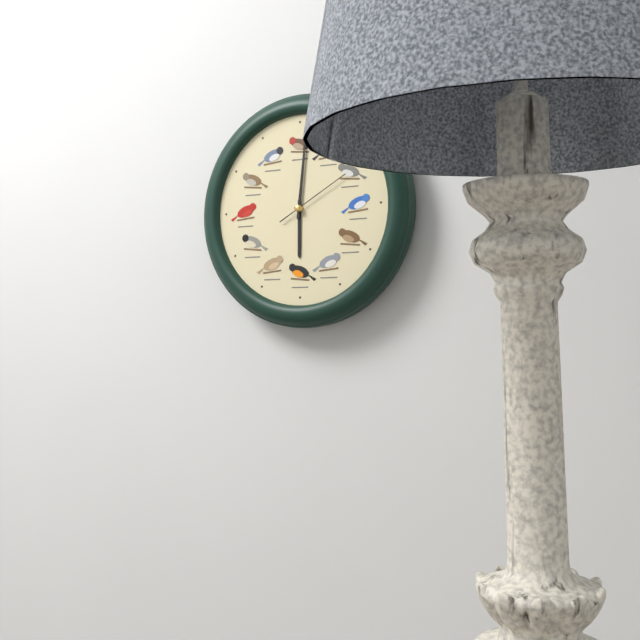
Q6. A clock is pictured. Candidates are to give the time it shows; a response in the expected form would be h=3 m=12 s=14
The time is h=6 m=1 s=10
